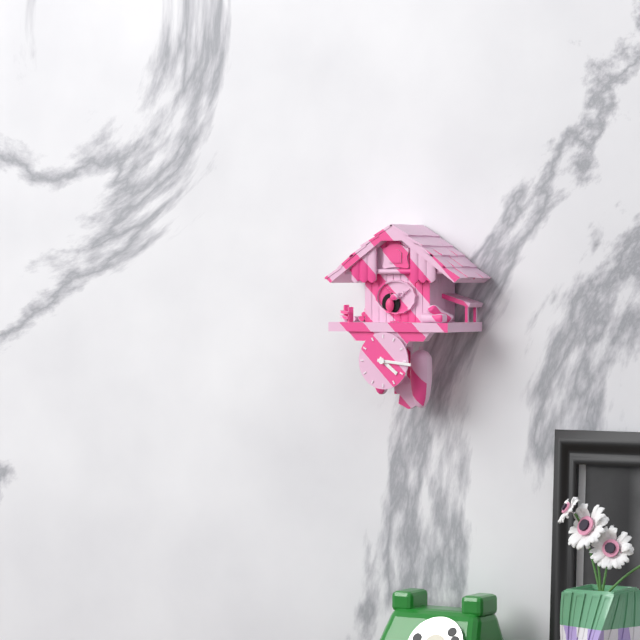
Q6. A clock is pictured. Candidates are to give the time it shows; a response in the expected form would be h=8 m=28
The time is h=4 m=16
